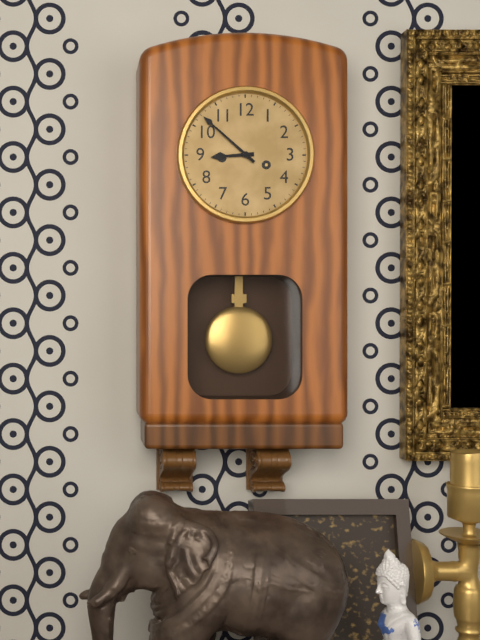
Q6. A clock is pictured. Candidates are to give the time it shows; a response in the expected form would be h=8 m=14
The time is h=8 m=52
